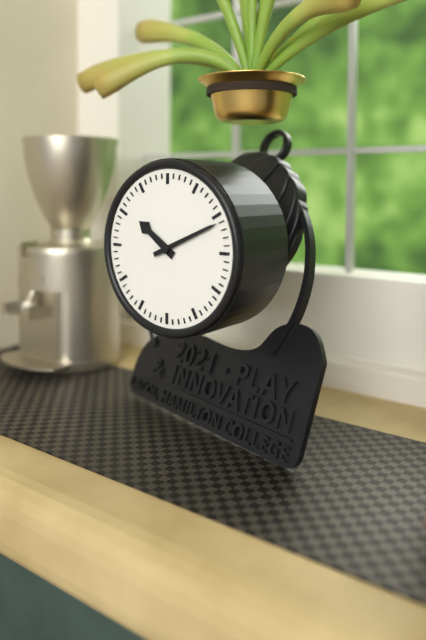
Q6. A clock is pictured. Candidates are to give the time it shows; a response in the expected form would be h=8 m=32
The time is h=10 m=11
